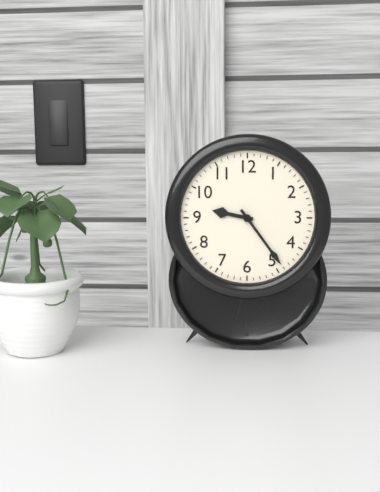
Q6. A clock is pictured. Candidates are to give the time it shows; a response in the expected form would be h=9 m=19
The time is h=9 m=24
